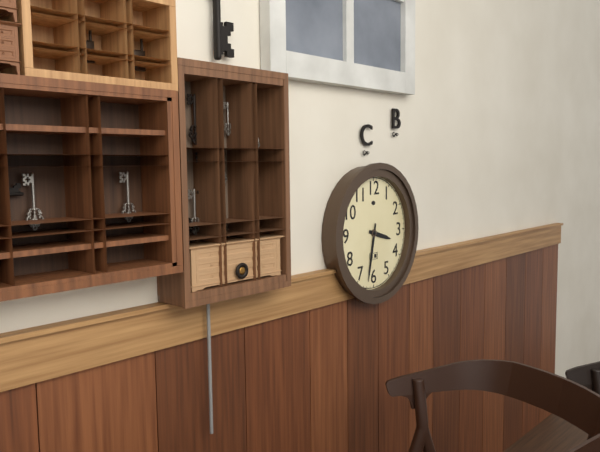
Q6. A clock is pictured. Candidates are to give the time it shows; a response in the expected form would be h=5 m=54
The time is h=3 m=32
